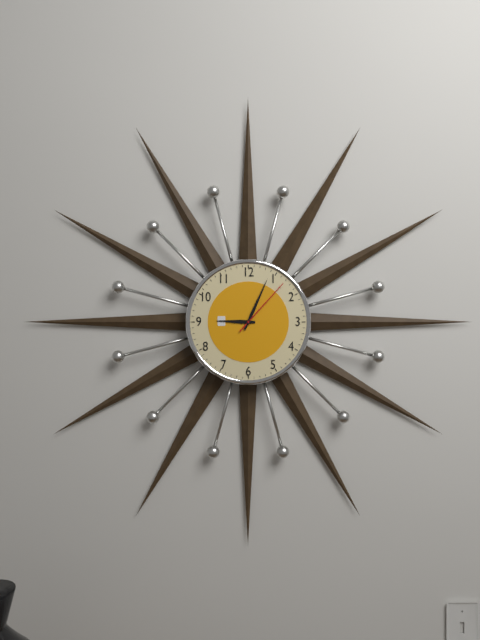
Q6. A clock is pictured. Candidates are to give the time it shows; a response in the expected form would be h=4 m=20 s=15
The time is h=9 m=4 s=7
